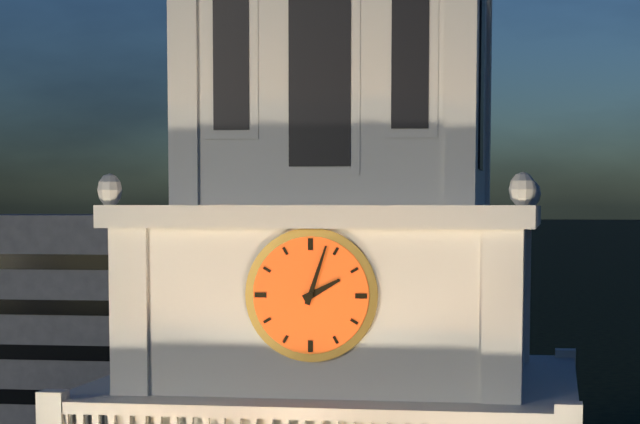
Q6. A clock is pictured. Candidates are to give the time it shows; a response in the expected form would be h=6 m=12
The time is h=2 m=3
